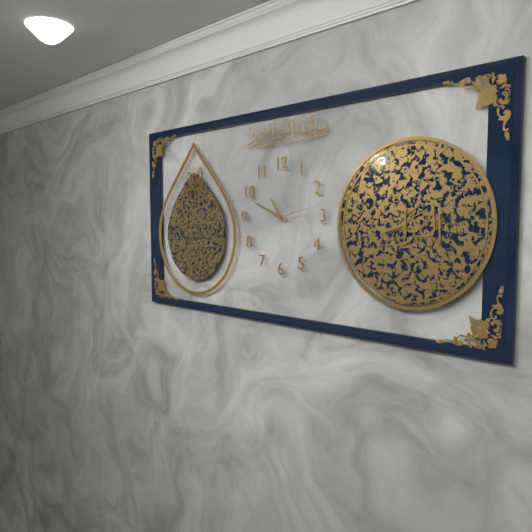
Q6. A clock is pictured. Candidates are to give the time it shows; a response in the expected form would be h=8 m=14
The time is h=10 m=49
